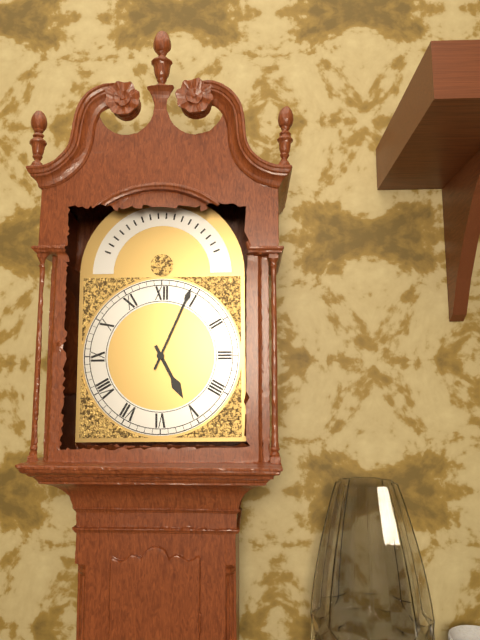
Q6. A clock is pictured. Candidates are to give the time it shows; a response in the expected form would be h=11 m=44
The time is h=5 m=4
